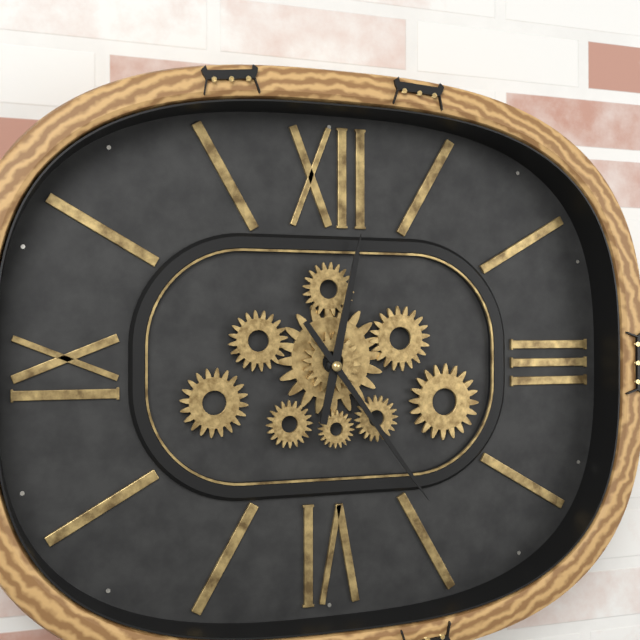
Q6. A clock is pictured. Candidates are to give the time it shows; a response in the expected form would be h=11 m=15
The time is h=12 m=24
